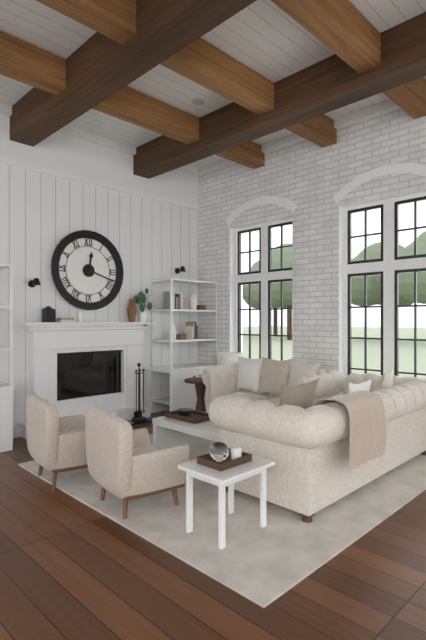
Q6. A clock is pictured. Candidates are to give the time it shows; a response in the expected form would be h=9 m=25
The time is h=12 m=18
